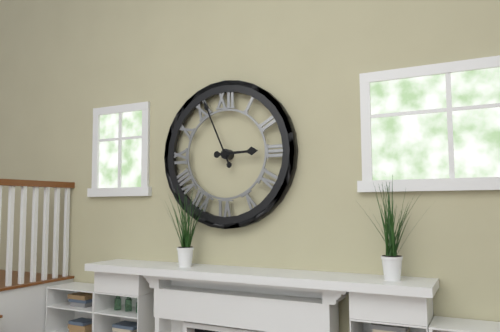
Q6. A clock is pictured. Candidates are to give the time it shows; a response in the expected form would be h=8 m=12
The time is h=2 m=56
